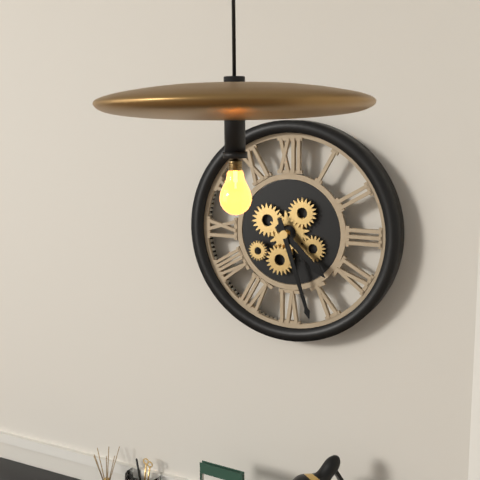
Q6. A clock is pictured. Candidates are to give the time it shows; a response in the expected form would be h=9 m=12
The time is h=4 m=27
